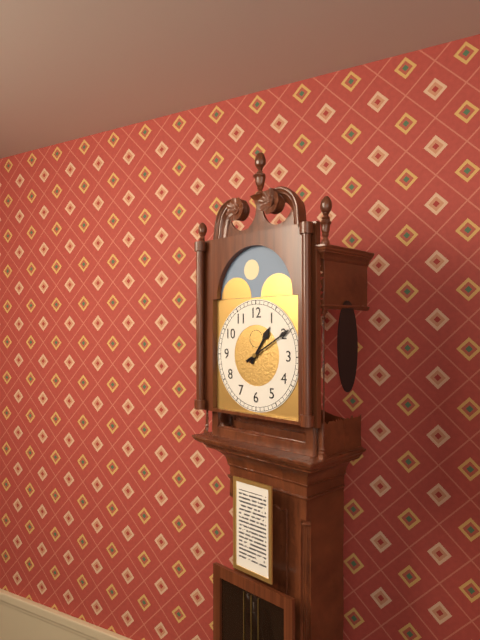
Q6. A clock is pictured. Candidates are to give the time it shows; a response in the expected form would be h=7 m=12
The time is h=1 m=10
